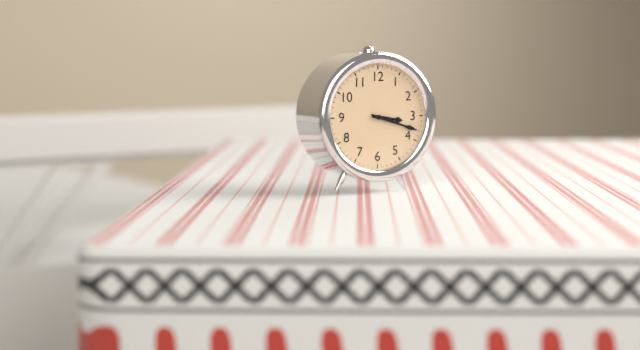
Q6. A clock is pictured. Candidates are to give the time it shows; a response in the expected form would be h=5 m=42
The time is h=3 m=18
